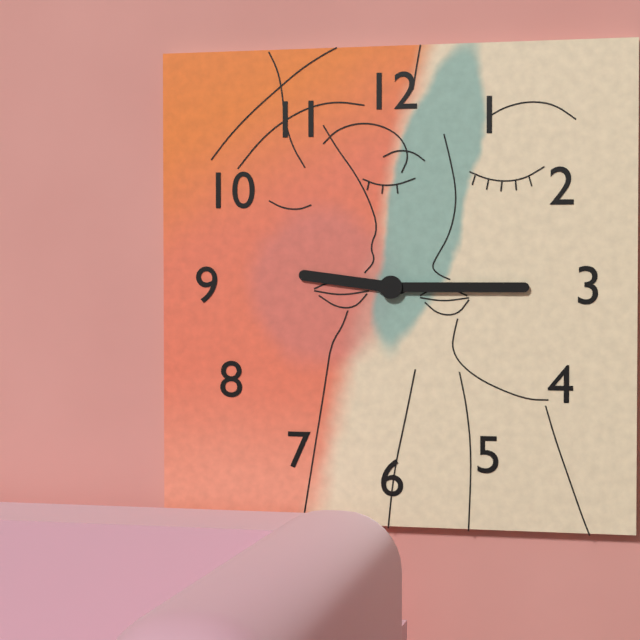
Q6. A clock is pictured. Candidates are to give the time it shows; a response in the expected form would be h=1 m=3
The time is h=9 m=15
